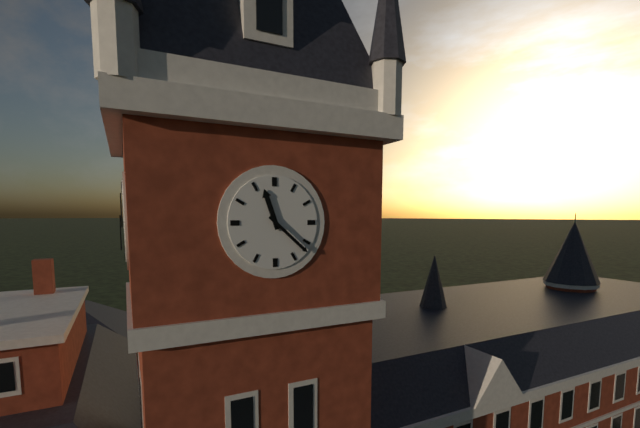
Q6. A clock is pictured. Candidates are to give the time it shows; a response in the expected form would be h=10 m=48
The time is h=11 m=22
